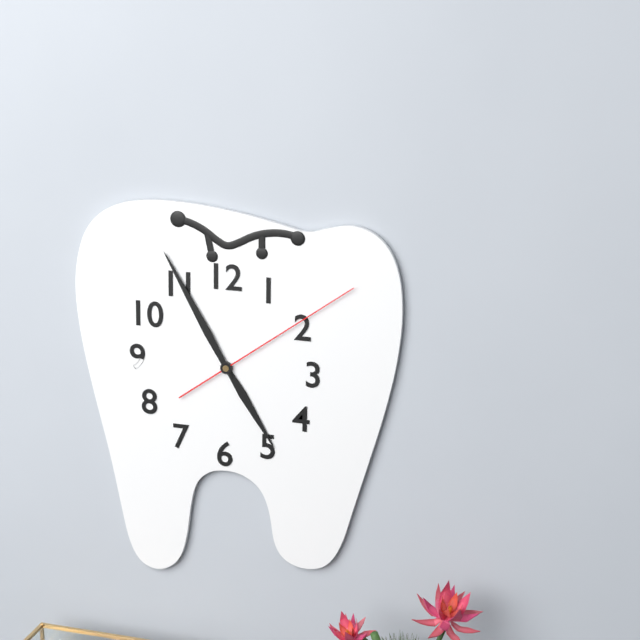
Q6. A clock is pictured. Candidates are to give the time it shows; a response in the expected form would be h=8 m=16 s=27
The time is h=4 m=55 s=9
